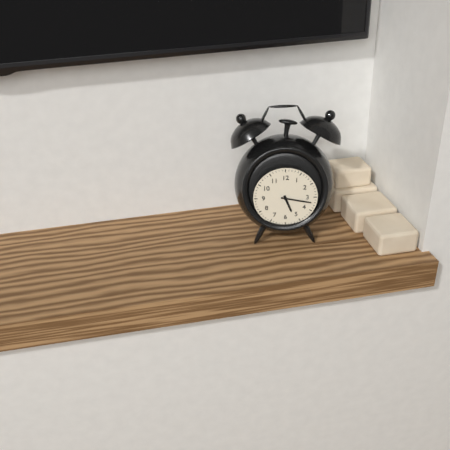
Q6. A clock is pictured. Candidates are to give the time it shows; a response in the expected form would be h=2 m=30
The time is h=5 m=17
